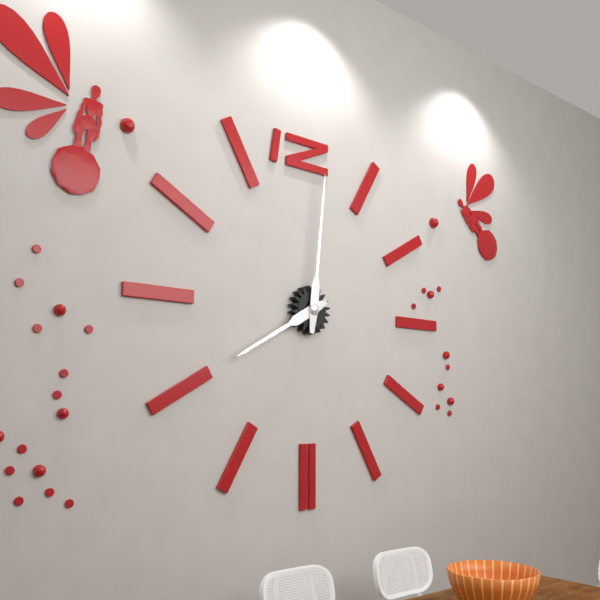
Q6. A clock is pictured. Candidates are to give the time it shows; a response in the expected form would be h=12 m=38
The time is h=8 m=1
